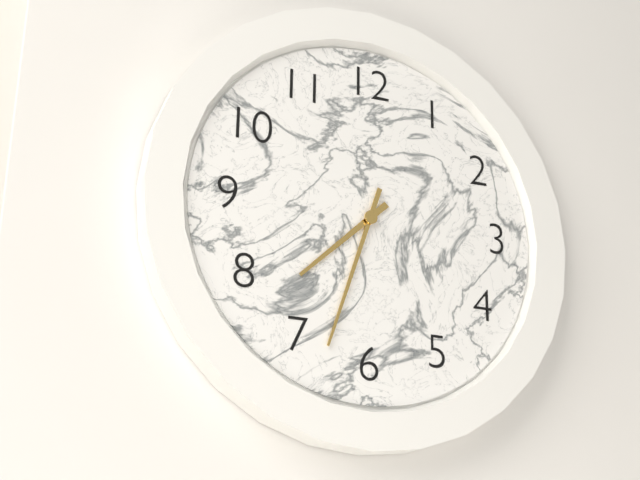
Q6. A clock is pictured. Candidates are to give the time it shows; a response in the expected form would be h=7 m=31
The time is h=7 m=33
